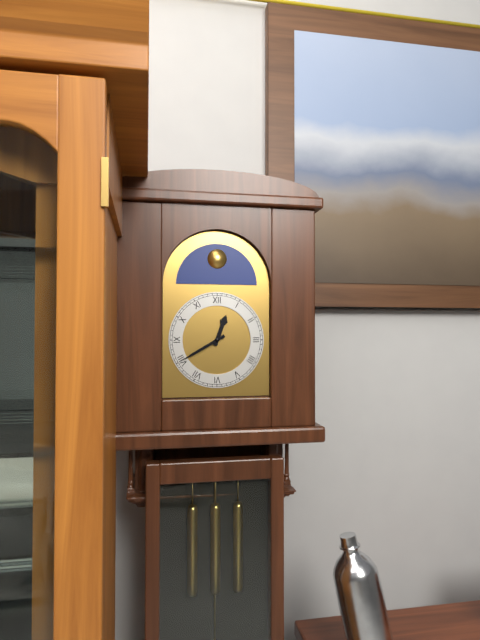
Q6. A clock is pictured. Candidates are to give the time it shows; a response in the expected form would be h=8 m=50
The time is h=12 m=40
